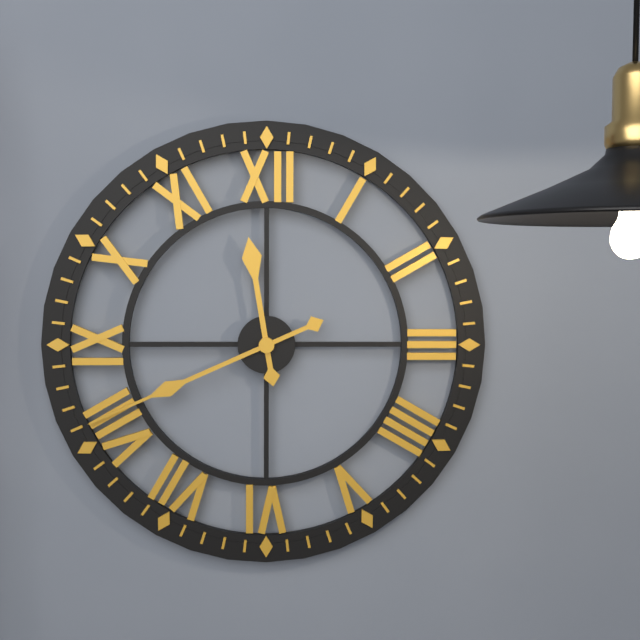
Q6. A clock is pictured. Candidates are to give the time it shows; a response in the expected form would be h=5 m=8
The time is h=11 m=41
